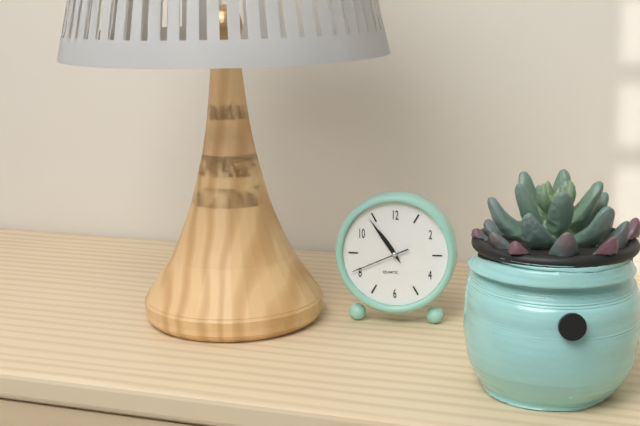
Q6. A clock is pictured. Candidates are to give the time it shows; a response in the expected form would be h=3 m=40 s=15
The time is h=10 m=54 s=41
